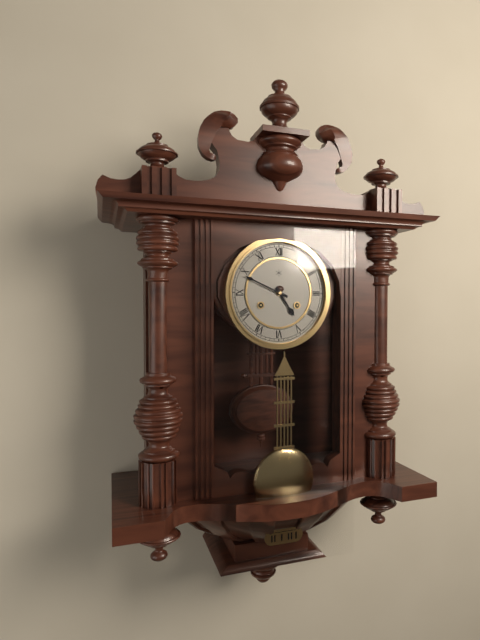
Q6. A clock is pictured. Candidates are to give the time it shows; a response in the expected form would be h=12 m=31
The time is h=4 m=49
